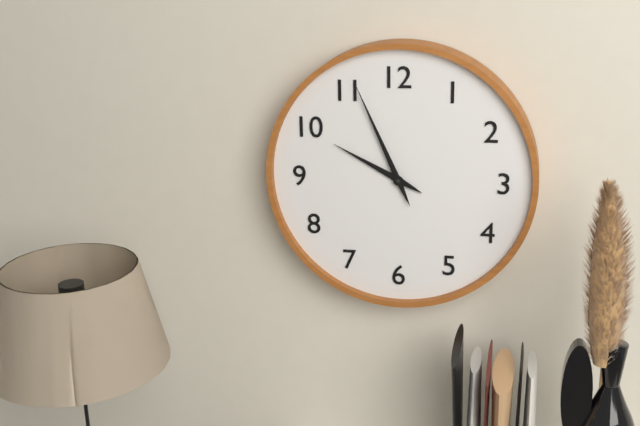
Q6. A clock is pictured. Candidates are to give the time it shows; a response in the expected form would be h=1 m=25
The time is h=9 m=56
